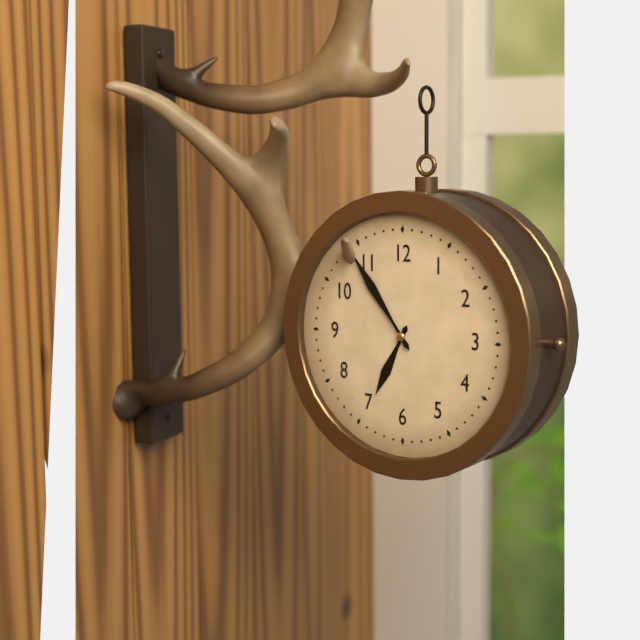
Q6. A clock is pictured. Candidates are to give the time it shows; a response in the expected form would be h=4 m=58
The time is h=6 m=54
